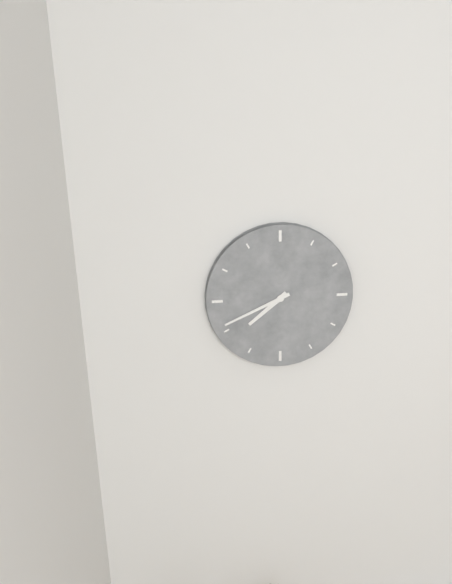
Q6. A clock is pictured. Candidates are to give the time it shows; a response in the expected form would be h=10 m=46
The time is h=7 m=41
